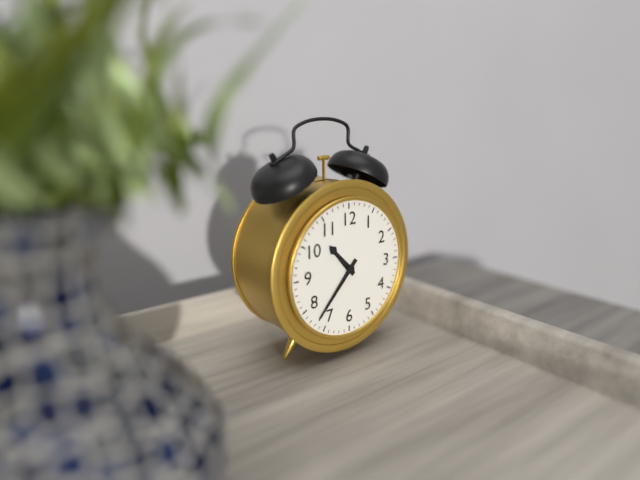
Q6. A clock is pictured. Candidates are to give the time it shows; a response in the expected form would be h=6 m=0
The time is h=10 m=37
